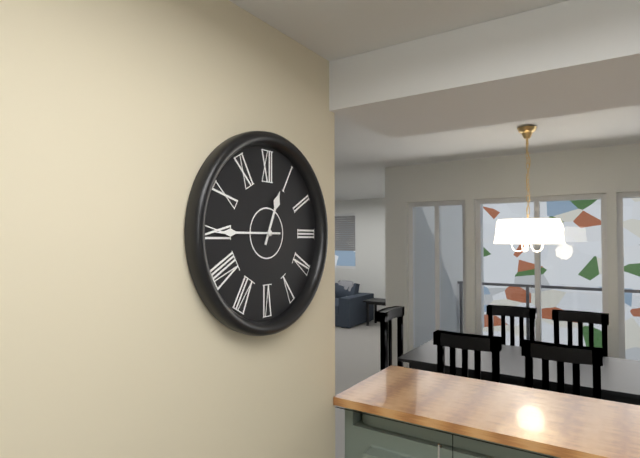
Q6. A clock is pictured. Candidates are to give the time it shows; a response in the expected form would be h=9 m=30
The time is h=12 m=45
